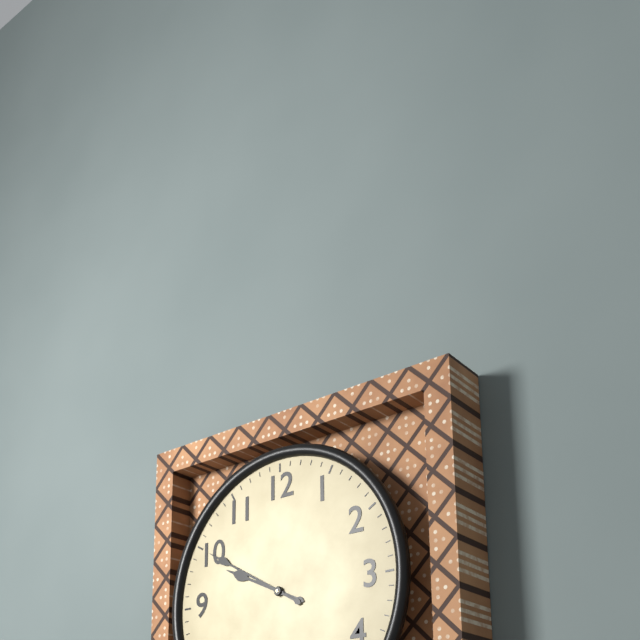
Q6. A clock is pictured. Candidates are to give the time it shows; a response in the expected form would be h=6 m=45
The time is h=9 m=50
